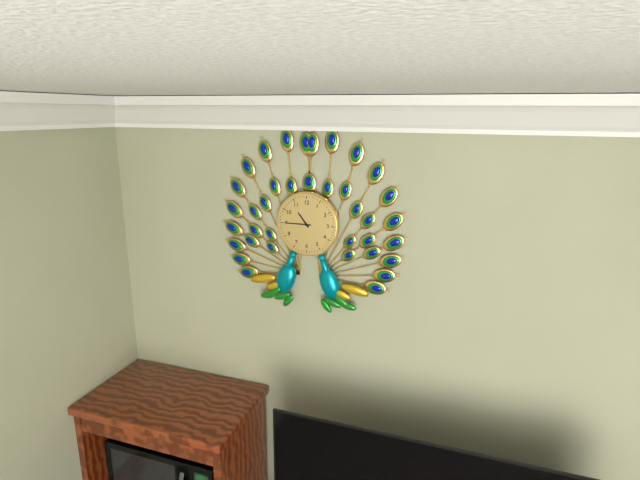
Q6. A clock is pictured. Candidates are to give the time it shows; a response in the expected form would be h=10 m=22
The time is h=10 m=45
